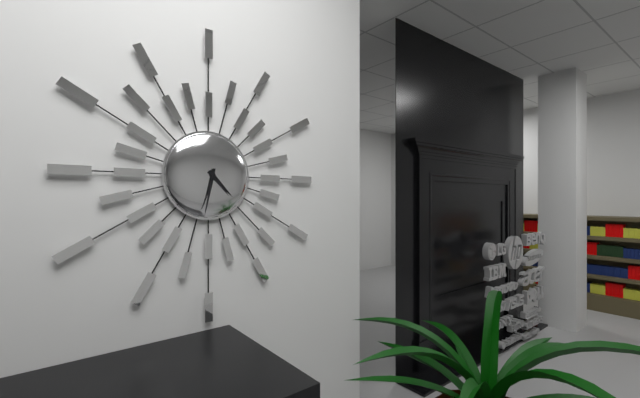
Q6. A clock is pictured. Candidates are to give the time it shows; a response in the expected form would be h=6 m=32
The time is h=4 m=32
